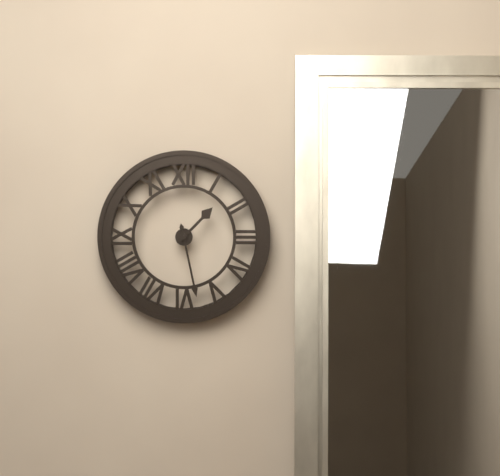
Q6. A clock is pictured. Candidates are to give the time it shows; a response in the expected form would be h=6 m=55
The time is h=1 m=28
